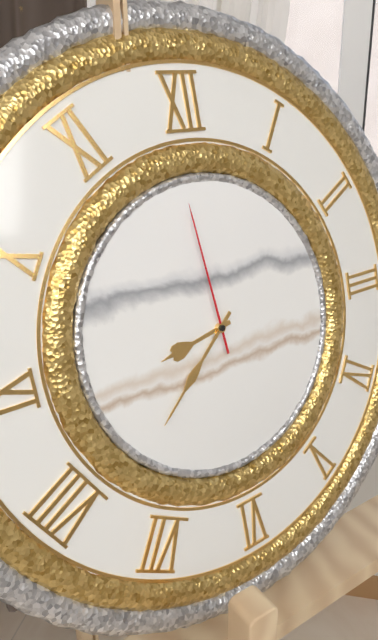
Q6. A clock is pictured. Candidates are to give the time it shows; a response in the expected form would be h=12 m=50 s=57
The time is h=8 m=38 s=59
